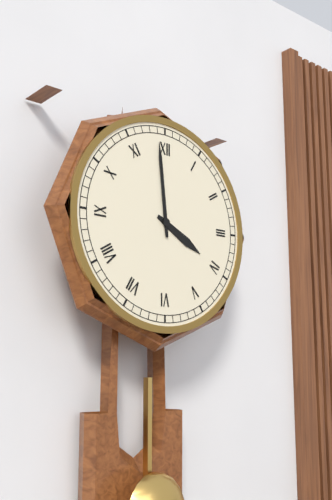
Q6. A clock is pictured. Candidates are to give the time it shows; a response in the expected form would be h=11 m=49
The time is h=3 m=59
